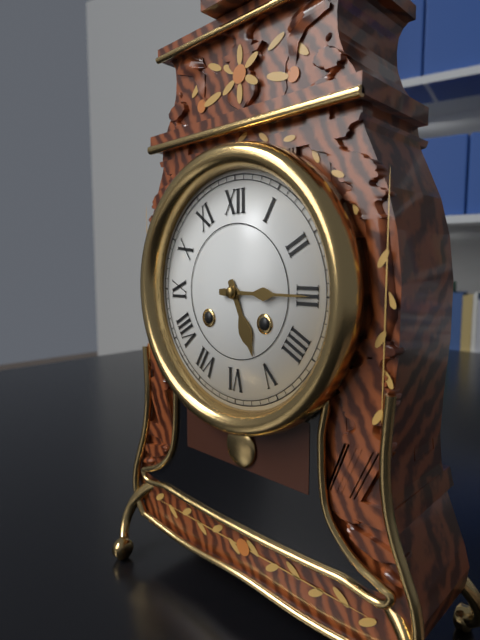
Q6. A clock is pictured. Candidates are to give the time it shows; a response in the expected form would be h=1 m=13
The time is h=5 m=15
